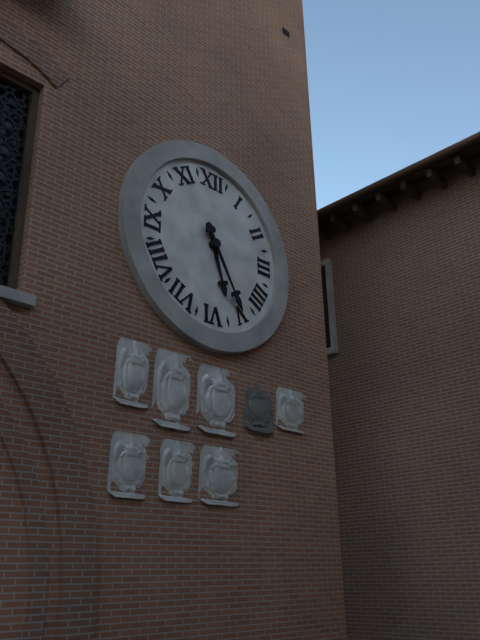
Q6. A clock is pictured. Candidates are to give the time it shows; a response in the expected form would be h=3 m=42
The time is h=5 m=25
